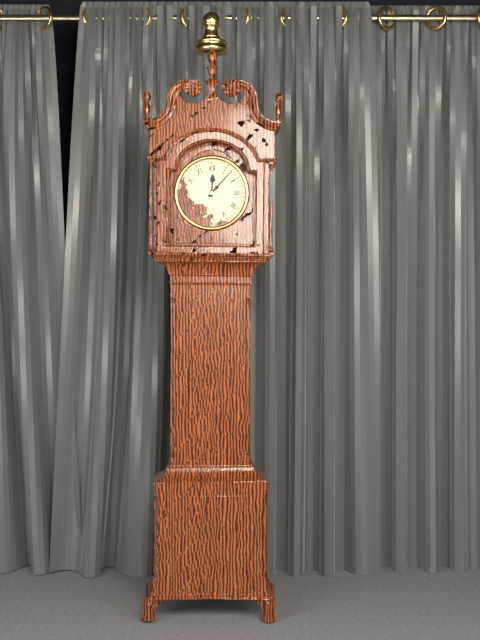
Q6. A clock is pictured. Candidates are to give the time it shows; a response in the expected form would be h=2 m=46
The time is h=12 m=7
